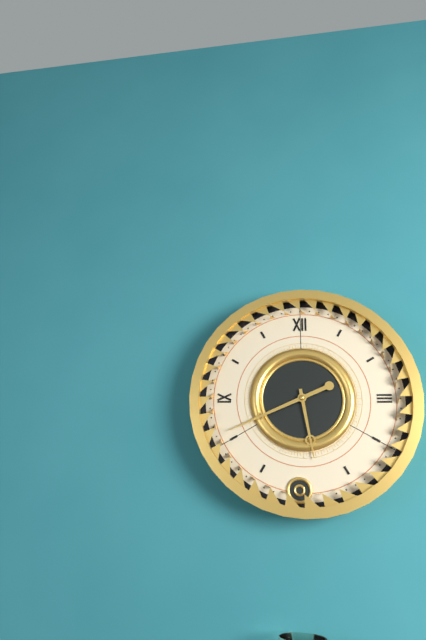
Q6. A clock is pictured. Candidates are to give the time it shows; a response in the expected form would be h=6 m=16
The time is h=5 m=41
